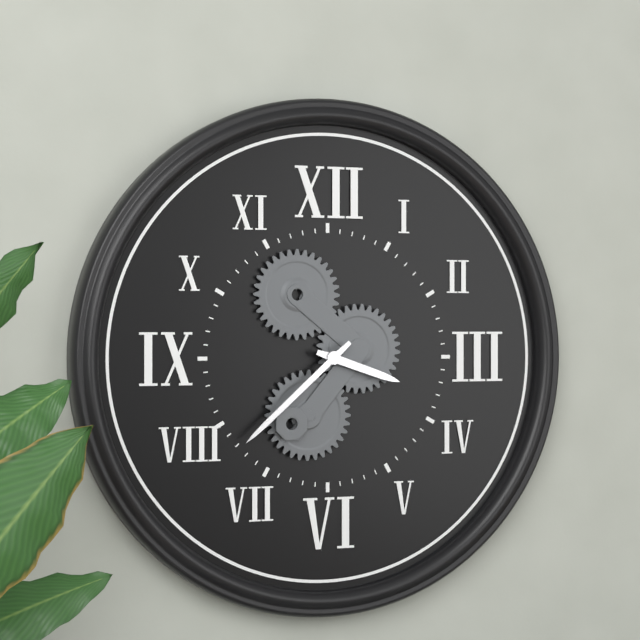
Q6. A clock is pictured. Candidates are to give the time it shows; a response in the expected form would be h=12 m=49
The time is h=3 m=38
